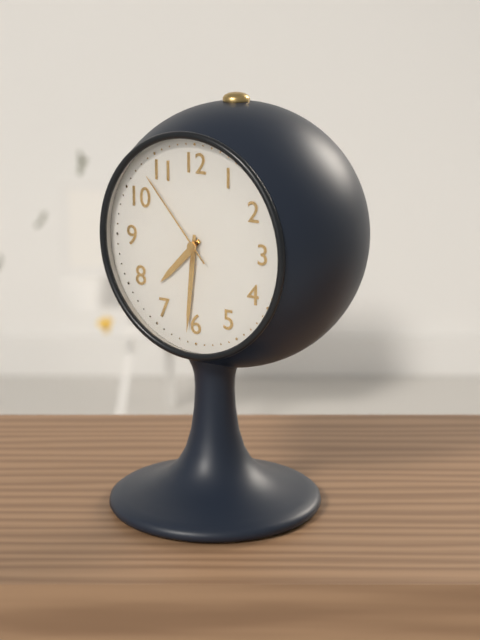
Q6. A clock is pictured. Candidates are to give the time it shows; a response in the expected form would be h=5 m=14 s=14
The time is h=7 m=31 s=53
